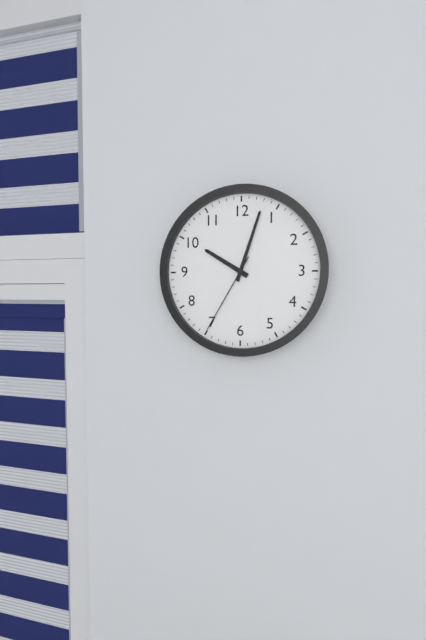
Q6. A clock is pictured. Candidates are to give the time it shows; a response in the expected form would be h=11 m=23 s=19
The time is h=10 m=3 s=35
